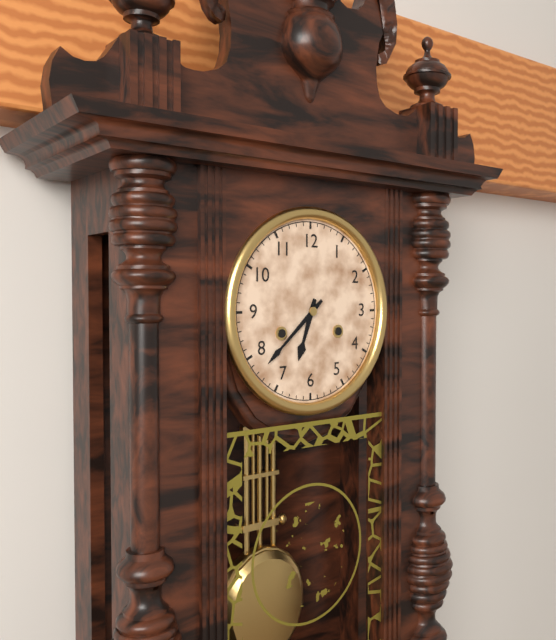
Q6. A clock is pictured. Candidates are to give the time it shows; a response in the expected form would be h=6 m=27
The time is h=6 m=38
